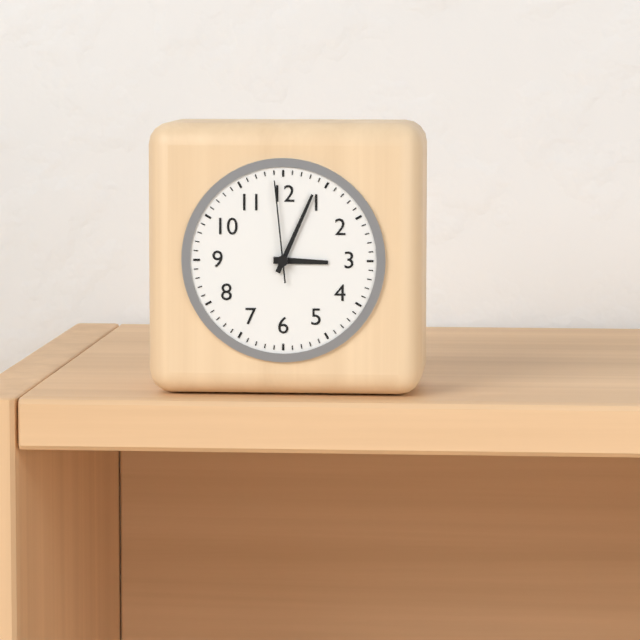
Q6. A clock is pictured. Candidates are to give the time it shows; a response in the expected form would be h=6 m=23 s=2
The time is h=3 m=4 s=59
